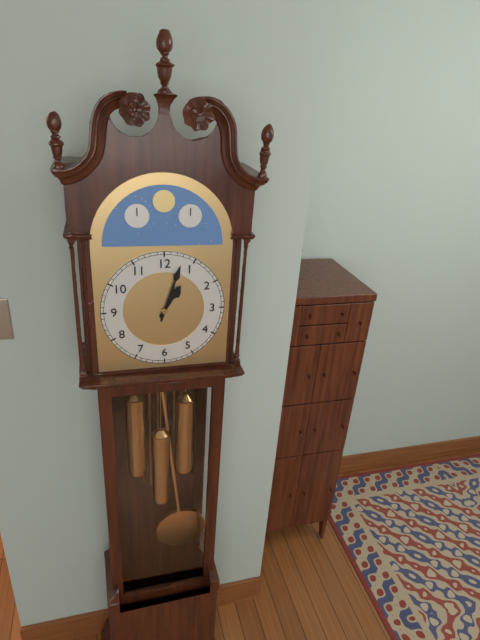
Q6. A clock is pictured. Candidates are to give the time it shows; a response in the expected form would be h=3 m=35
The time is h=1 m=3
